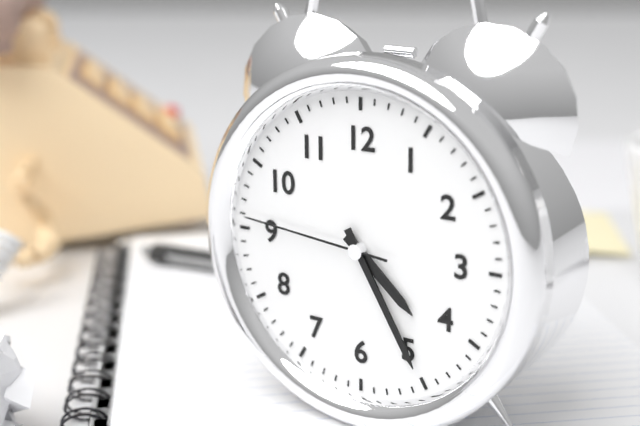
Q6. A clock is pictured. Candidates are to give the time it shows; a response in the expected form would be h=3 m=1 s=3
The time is h=4 m=25 s=46
